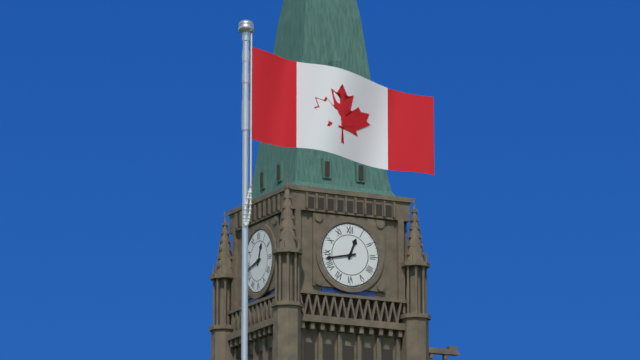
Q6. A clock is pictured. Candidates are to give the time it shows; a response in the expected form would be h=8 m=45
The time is h=12 m=43
